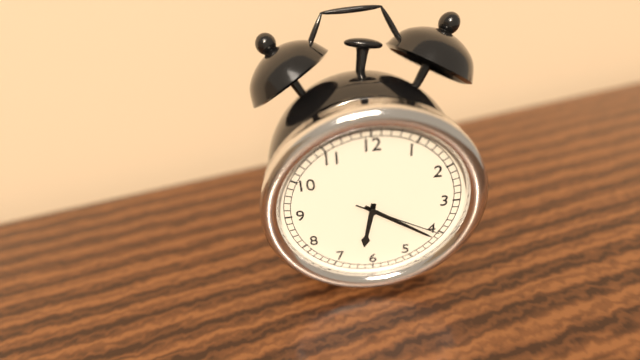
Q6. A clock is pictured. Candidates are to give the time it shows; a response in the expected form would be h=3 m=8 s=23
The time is h=6 m=21 s=20
